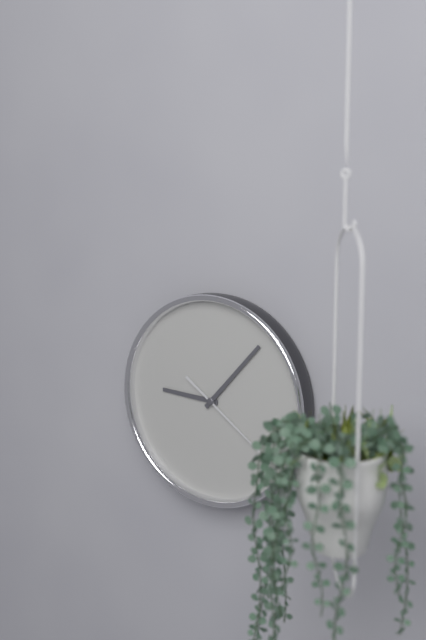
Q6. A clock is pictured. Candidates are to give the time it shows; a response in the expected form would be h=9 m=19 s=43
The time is h=9 m=7 s=21
